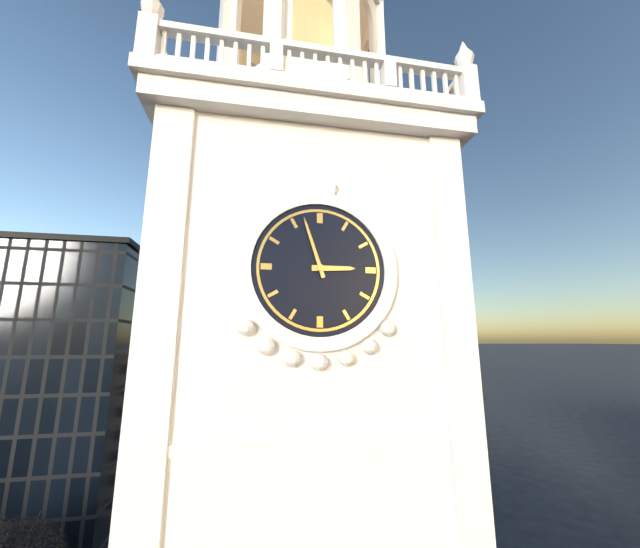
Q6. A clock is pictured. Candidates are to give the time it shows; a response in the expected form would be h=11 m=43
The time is h=2 m=57
